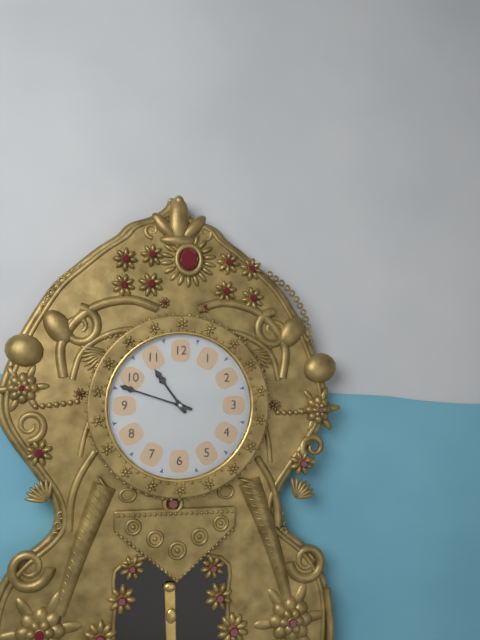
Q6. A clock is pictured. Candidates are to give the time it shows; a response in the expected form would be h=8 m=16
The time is h=10 m=48
